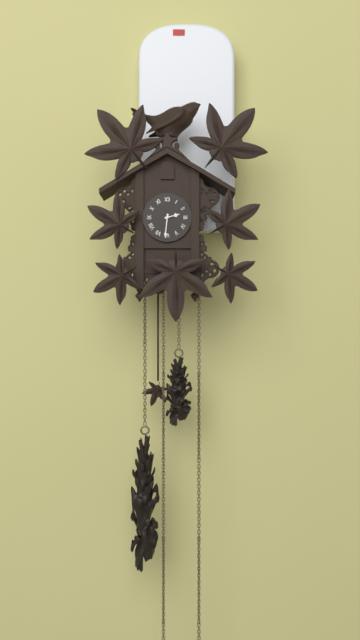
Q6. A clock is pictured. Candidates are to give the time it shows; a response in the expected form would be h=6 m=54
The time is h=2 m=31
